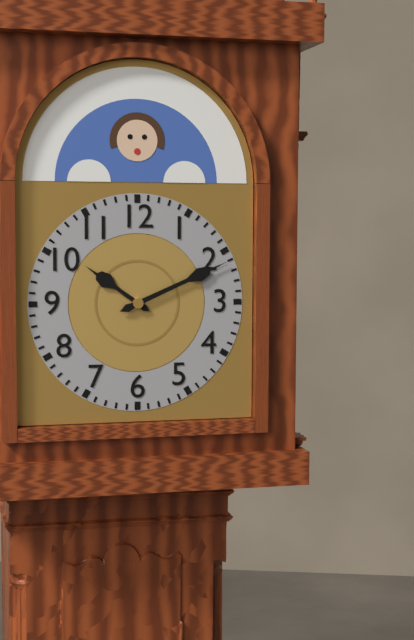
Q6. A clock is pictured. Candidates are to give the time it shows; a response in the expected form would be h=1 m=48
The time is h=10 m=11
